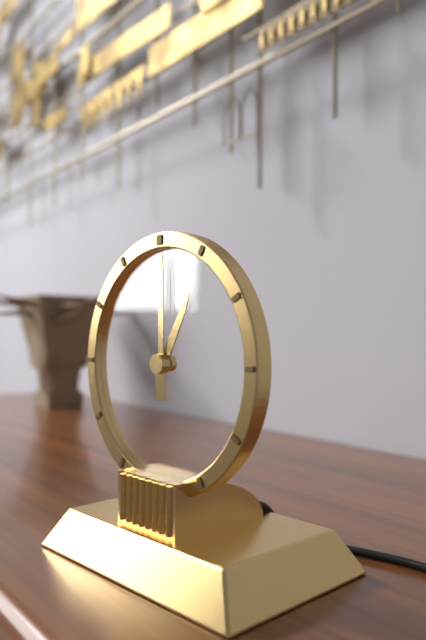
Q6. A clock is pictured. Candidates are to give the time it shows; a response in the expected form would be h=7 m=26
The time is h=1 m=0
